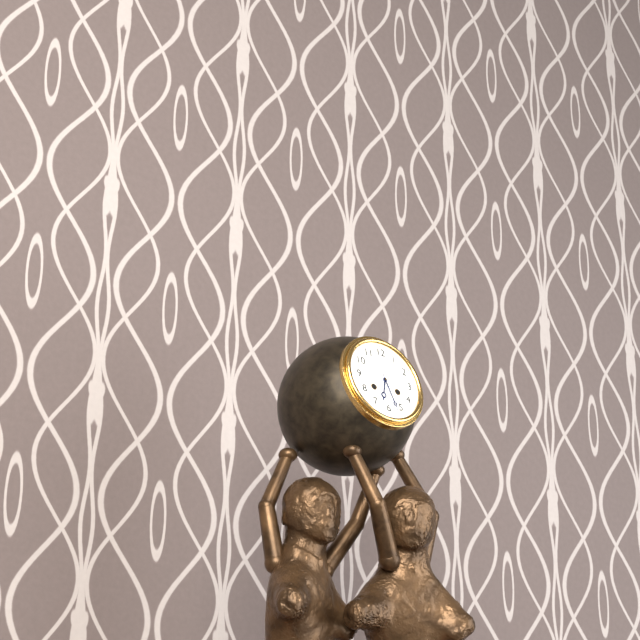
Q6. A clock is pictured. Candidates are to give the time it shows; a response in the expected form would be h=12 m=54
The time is h=6 m=27
